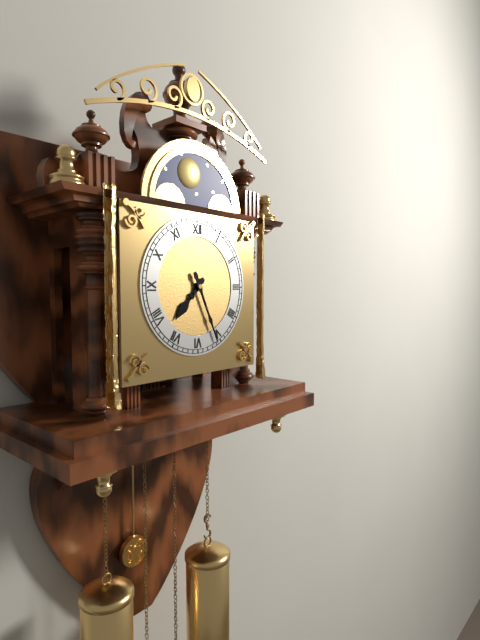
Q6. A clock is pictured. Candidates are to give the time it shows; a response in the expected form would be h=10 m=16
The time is h=7 m=26
